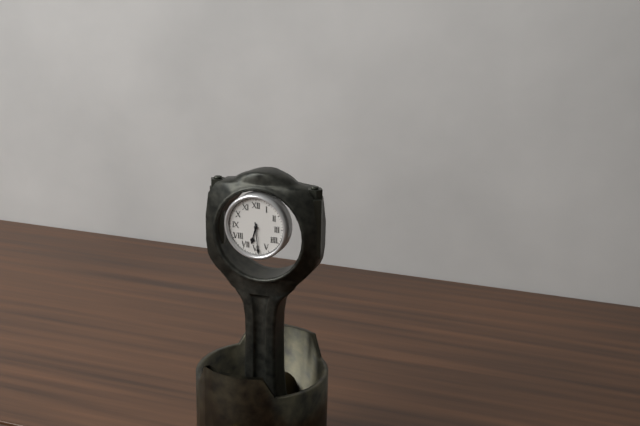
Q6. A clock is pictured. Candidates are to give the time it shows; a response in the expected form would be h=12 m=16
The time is h=6 m=29
